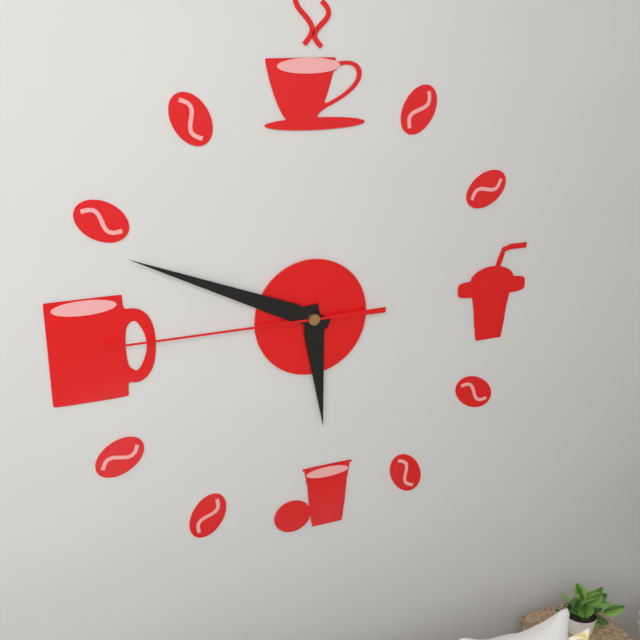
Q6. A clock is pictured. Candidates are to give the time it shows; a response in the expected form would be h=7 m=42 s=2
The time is h=5 m=49 s=45
